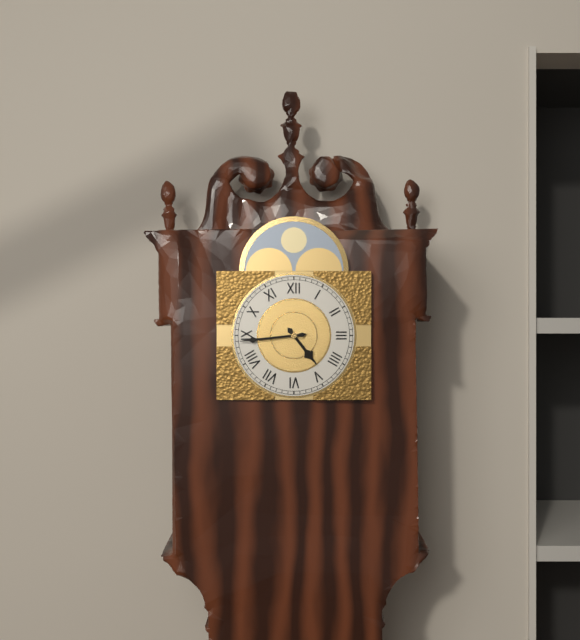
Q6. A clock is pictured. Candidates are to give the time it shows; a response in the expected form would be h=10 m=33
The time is h=4 m=44
